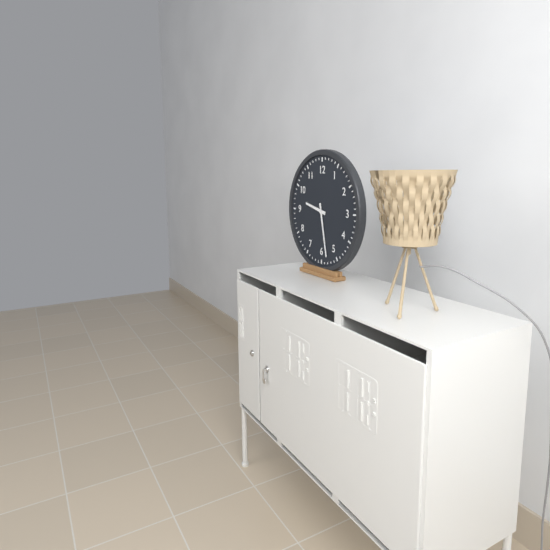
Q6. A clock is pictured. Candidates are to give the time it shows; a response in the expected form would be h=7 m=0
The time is h=9 m=28
